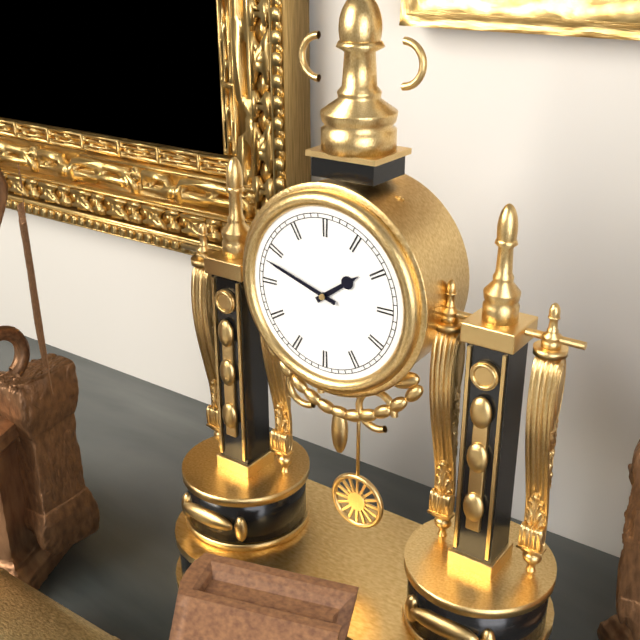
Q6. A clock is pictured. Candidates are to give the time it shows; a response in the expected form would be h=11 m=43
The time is h=1 m=48
